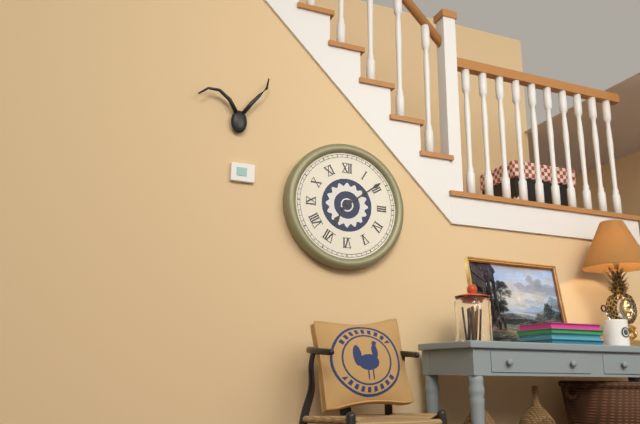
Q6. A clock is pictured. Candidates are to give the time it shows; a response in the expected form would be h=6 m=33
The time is h=7 m=9
